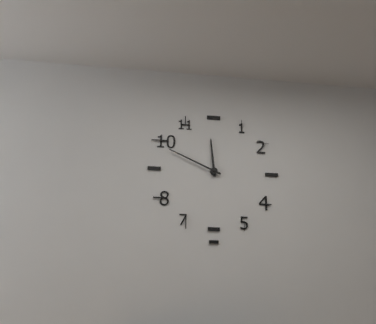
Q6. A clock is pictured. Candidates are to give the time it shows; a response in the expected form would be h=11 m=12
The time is h=11 m=49
